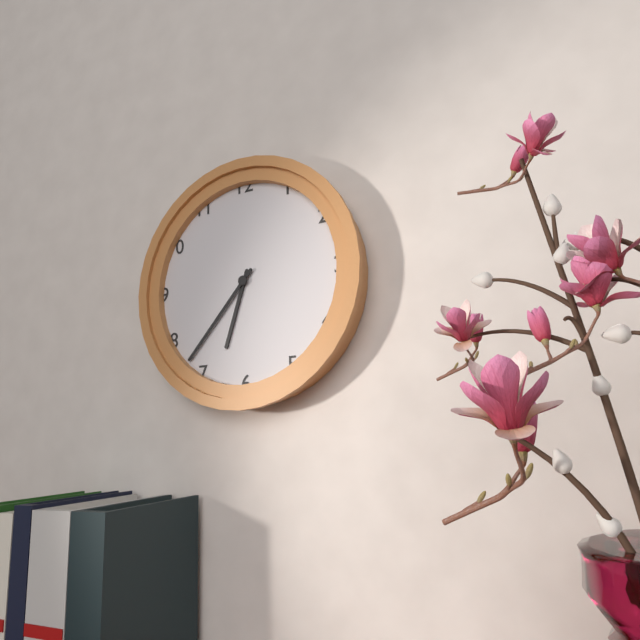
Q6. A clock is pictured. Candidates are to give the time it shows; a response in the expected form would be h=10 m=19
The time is h=6 m=37
